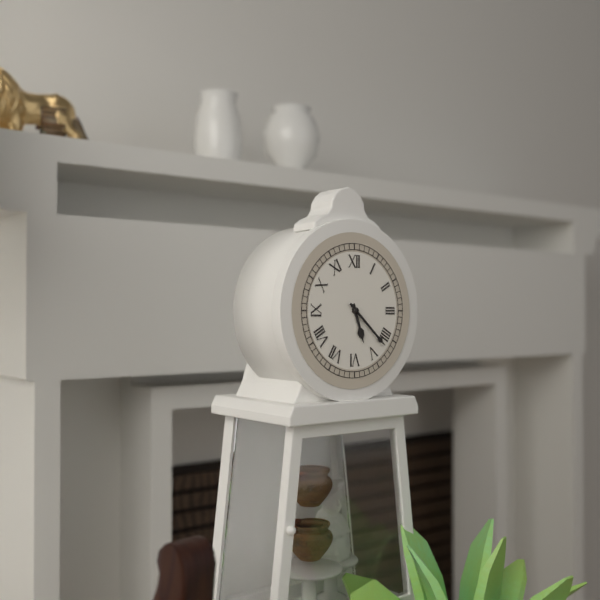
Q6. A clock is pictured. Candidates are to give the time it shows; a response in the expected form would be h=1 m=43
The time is h=5 m=22
